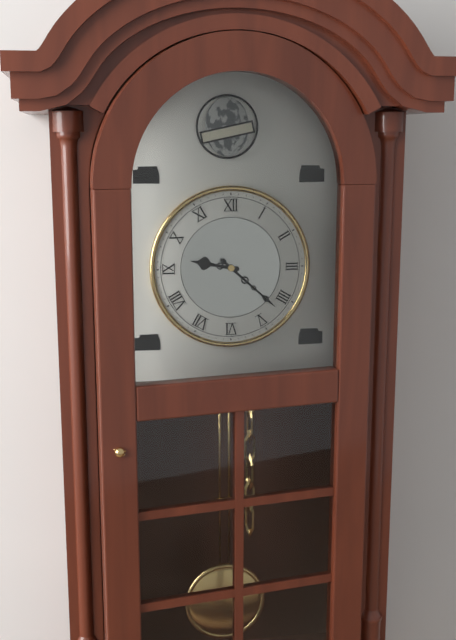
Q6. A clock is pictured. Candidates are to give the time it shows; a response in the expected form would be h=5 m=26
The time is h=9 m=22
